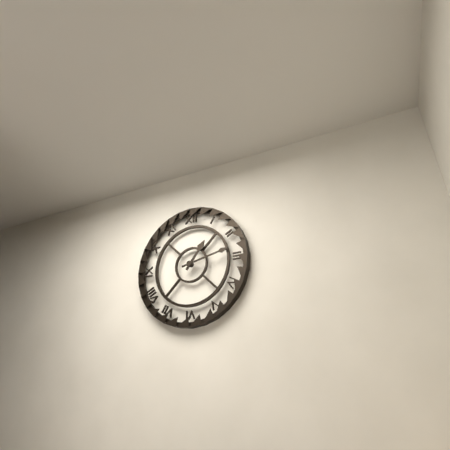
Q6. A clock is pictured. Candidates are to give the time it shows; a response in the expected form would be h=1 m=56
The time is h=1 m=13
